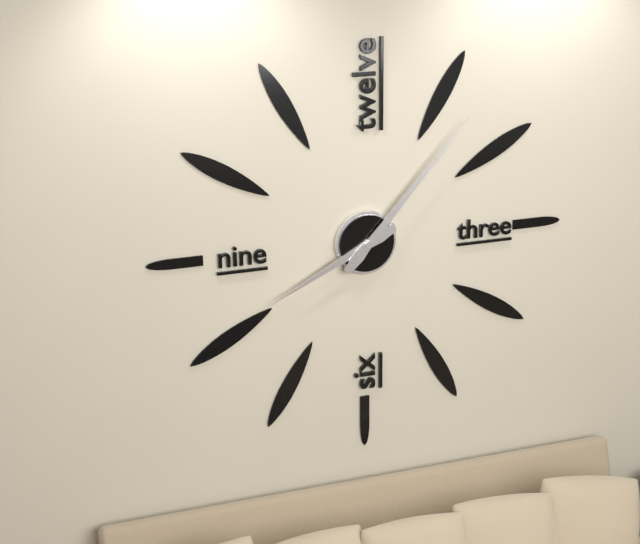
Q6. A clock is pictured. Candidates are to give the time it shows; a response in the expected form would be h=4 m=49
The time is h=8 m=7
